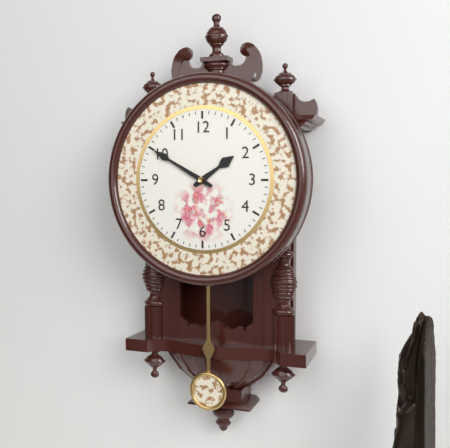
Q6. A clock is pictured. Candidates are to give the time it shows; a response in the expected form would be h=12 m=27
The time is h=1 m=50
